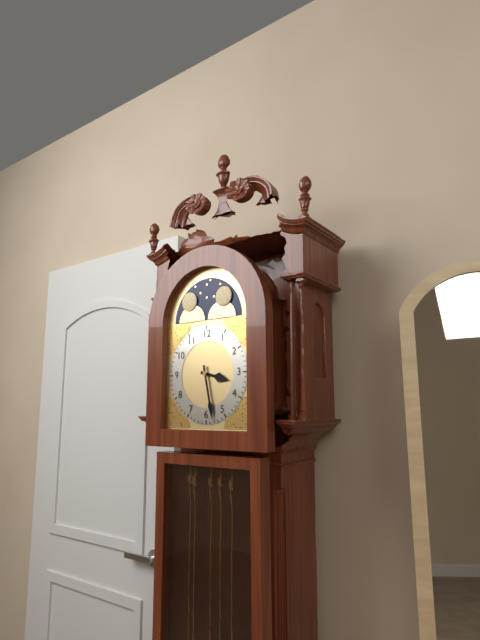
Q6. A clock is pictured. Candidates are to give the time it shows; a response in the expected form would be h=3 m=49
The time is h=3 m=28
